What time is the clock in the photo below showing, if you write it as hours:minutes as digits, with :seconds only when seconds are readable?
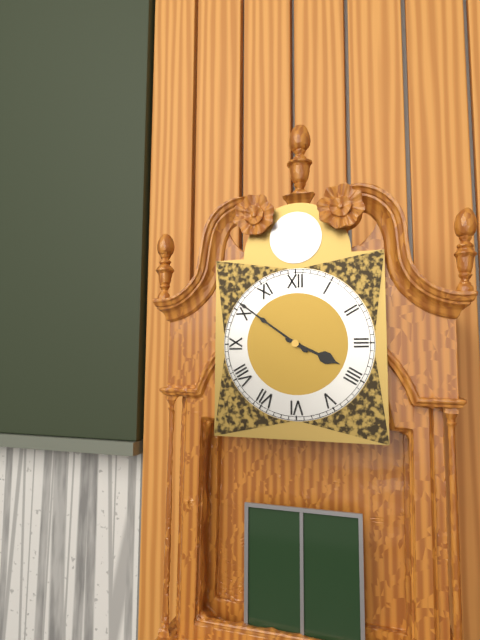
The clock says 3:51
